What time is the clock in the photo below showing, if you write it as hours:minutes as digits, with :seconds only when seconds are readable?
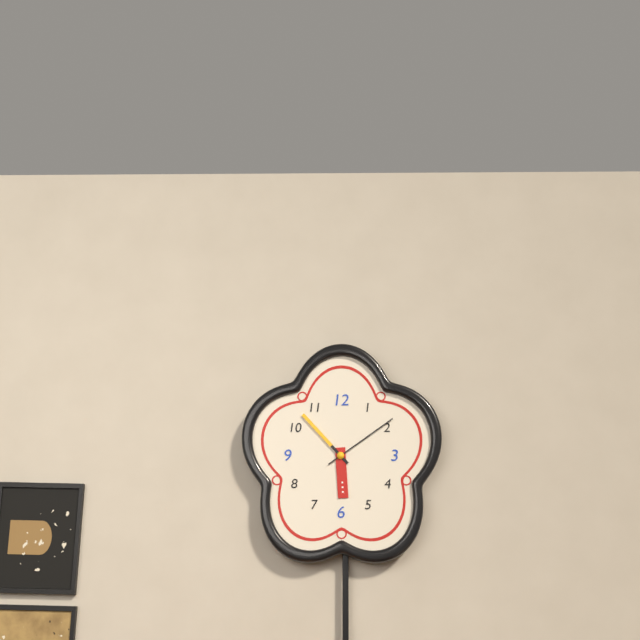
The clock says 5:53:09
